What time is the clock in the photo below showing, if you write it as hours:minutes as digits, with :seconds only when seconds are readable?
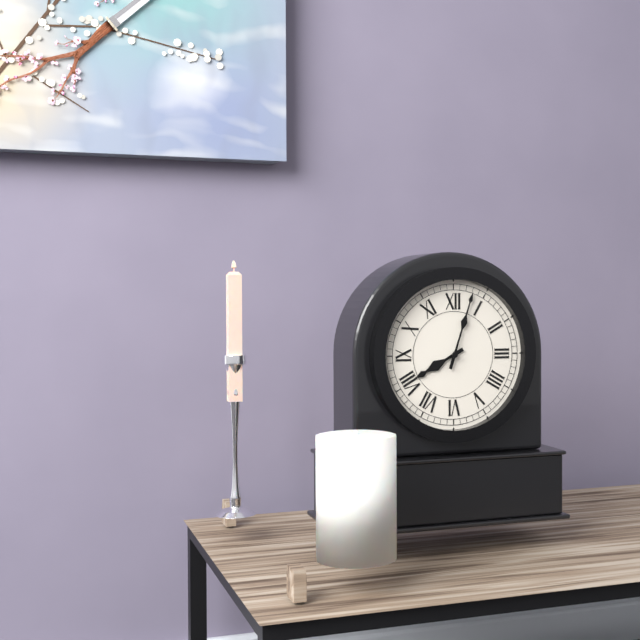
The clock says 8:03
